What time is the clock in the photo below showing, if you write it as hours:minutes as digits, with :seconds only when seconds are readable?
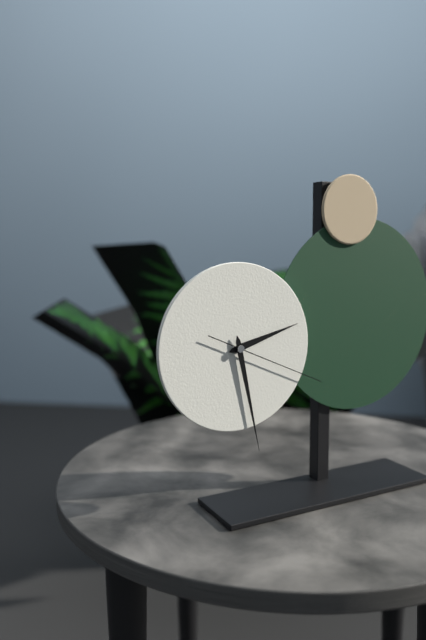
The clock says 2:28:19
